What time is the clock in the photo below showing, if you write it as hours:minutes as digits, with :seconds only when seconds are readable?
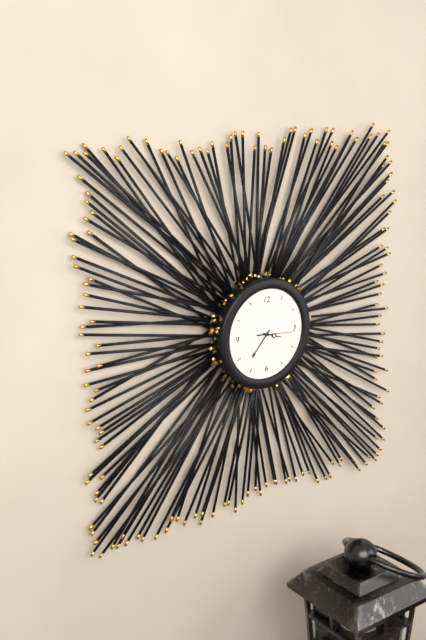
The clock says 3:37
